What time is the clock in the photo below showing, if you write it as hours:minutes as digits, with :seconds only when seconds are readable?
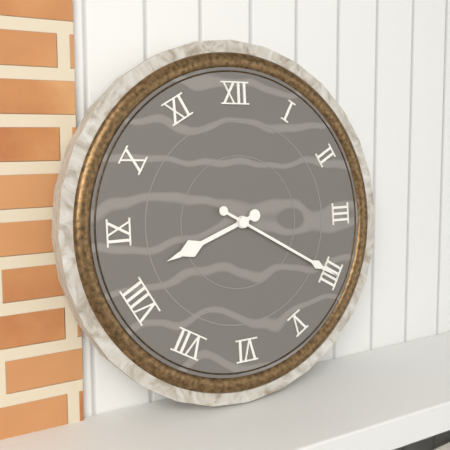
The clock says 8:20
